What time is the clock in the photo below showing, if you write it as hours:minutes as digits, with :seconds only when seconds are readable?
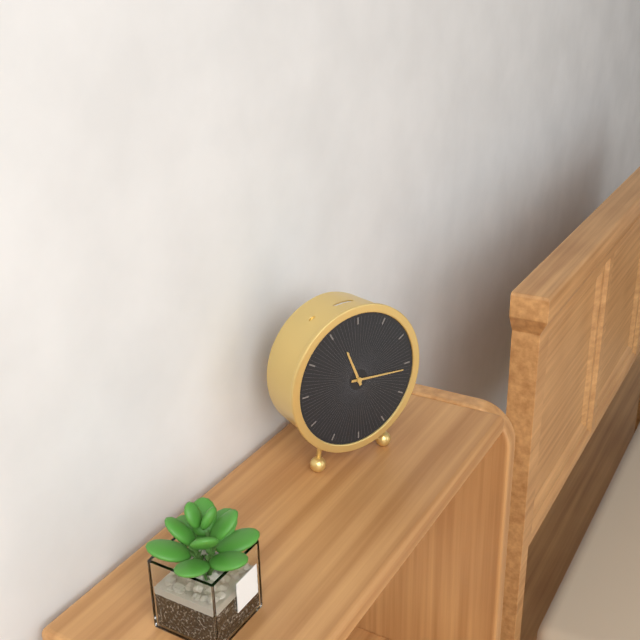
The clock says 11:16
